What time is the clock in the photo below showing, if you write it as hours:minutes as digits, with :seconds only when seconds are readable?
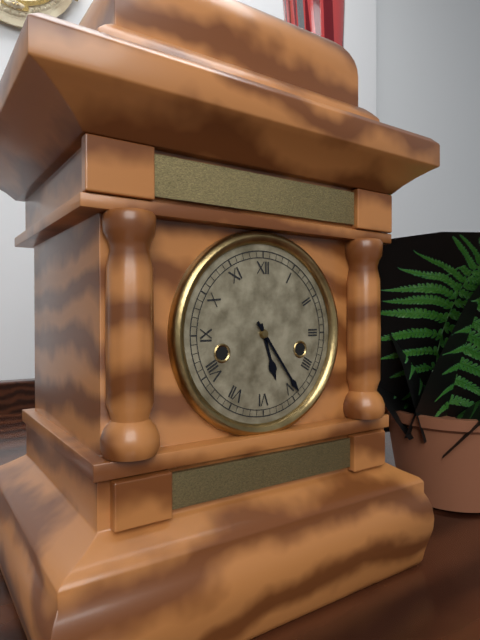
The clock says 5:24
